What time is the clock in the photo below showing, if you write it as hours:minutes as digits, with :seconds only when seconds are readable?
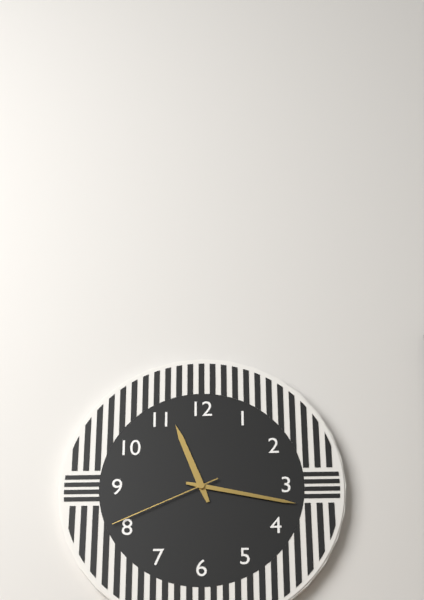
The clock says 11:17:41
